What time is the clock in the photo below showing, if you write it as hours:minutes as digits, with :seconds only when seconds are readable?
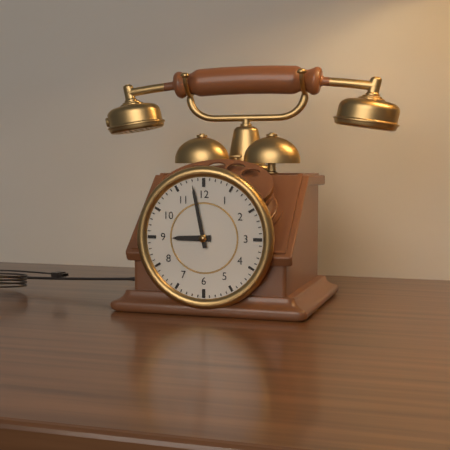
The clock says 8:58
